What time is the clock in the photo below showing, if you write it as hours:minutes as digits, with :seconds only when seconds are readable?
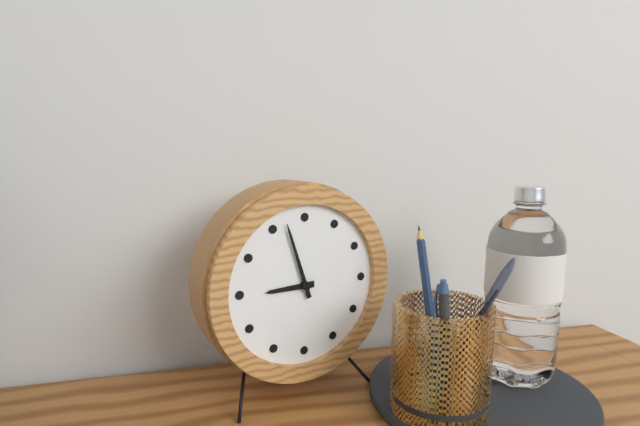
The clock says 8:57
